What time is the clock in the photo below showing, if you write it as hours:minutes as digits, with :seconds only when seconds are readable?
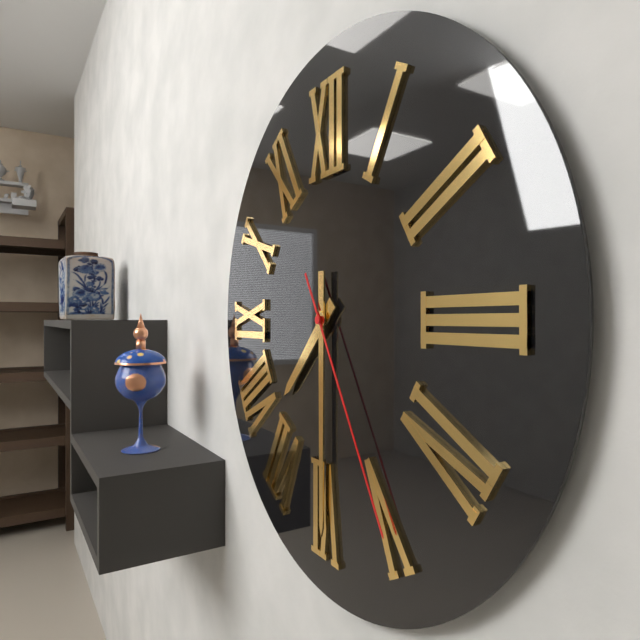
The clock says 7:30:25
